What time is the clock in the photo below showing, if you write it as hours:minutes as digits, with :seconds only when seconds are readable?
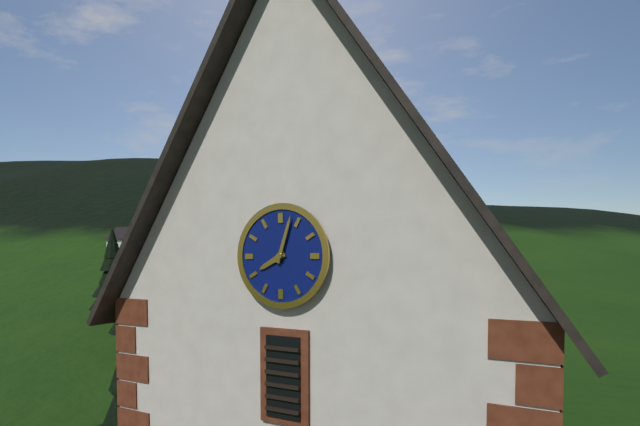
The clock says 8:03
